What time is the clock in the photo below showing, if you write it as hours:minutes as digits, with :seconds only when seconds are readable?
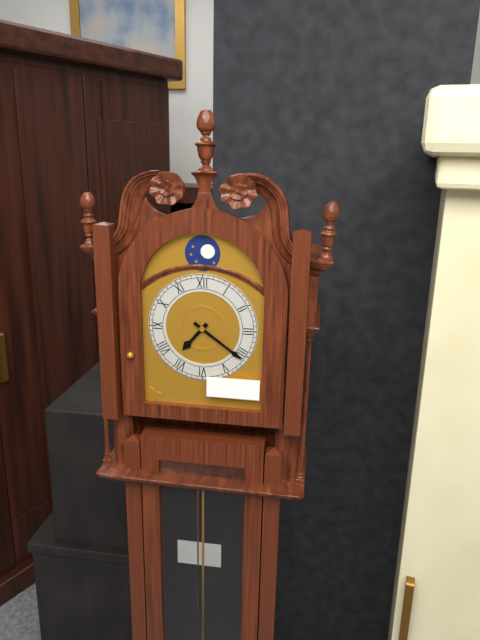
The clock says 7:21
